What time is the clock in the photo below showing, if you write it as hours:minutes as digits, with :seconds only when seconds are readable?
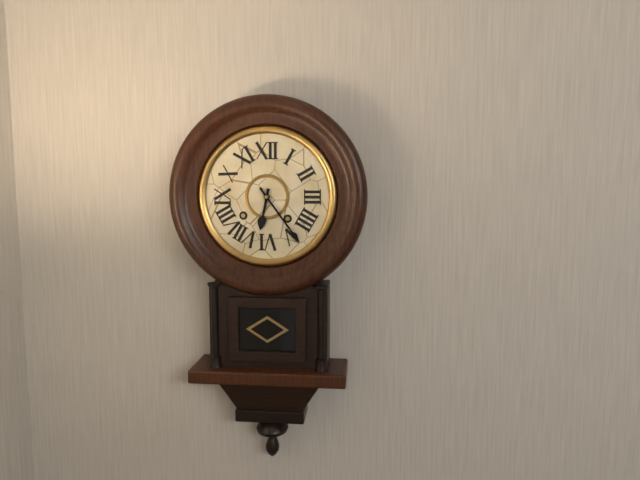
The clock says 6:24
